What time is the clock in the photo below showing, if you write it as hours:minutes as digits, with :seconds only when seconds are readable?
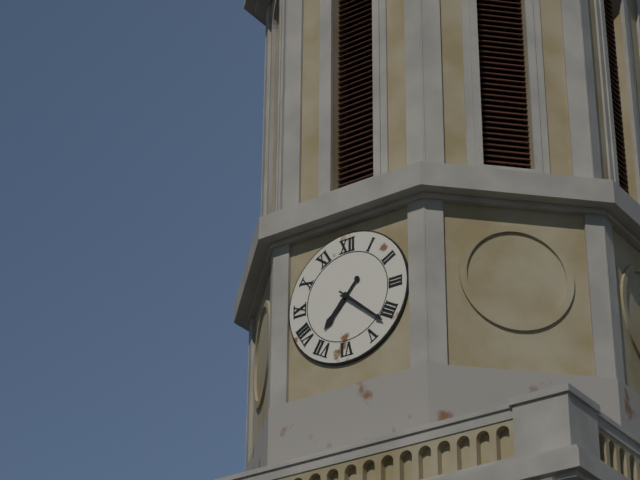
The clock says 7:22
